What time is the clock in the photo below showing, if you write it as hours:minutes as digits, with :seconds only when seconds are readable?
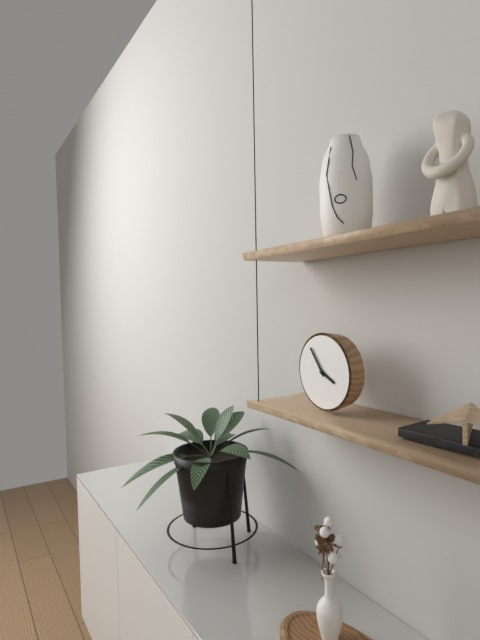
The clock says 3:54
